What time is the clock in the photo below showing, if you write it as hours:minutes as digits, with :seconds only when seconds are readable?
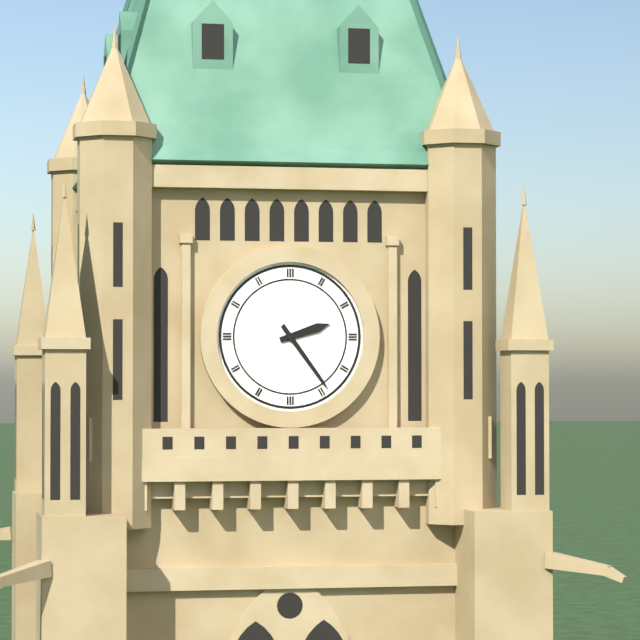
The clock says 2:24
